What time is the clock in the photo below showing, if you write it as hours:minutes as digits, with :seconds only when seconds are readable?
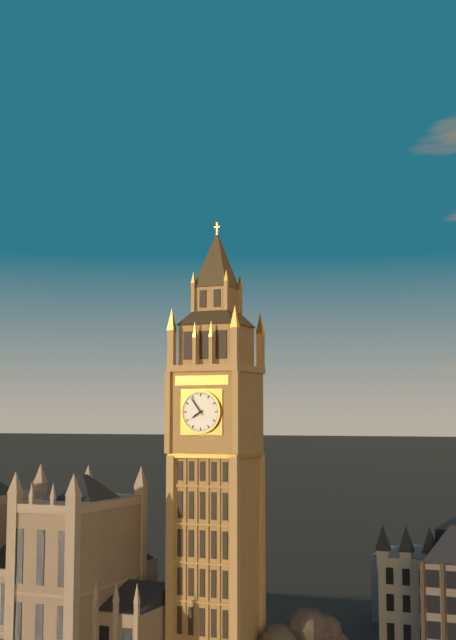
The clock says 7:54
